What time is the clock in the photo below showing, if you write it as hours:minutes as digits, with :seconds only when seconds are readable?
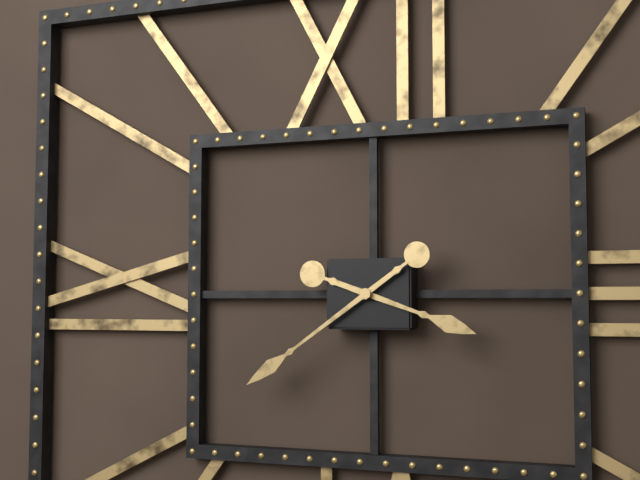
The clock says 3:39
